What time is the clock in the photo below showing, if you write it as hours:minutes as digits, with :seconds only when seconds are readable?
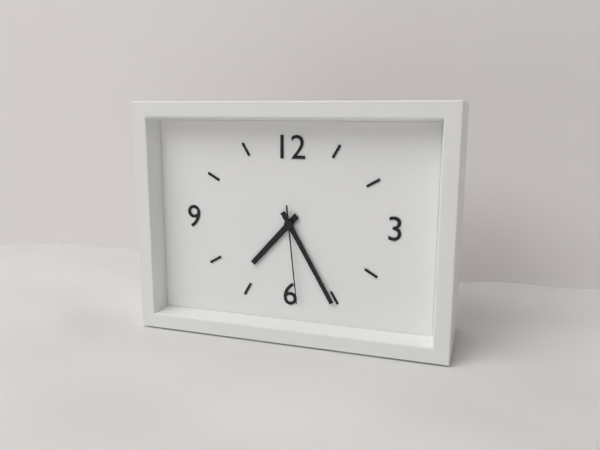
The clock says 7:25:29
